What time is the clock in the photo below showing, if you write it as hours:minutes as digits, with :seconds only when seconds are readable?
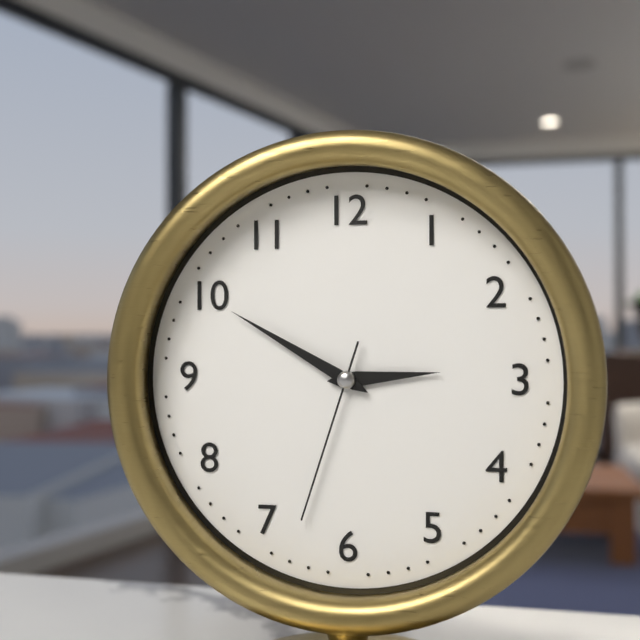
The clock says 2:50:33
